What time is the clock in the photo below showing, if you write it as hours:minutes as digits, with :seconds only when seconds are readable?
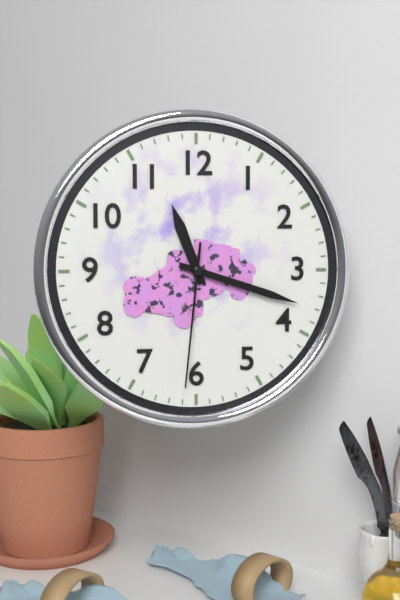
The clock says 11:18:31
